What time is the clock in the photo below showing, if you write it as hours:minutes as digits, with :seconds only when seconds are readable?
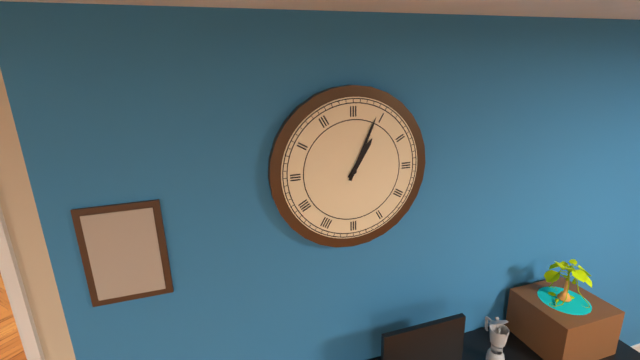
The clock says 1:04
